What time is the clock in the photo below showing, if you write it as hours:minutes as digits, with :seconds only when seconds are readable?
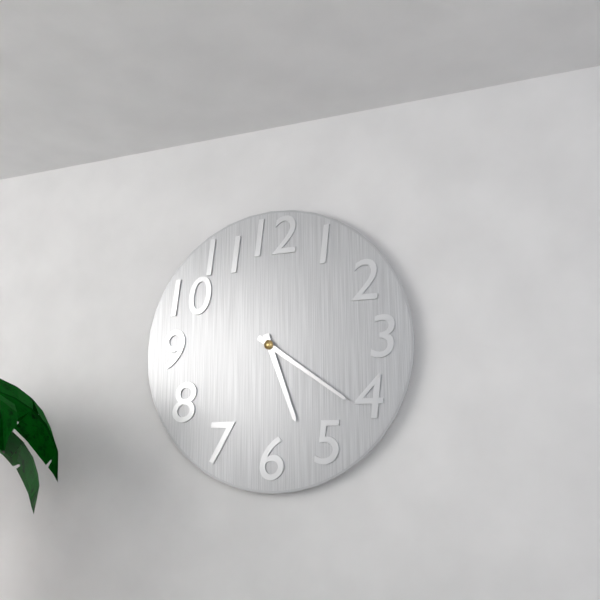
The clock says 5:21
